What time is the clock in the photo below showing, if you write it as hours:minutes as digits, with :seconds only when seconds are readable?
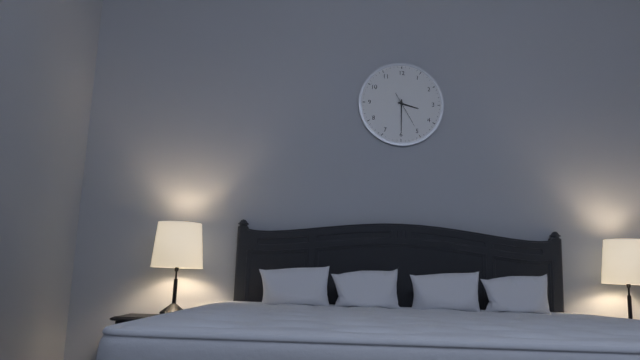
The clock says 3:30
